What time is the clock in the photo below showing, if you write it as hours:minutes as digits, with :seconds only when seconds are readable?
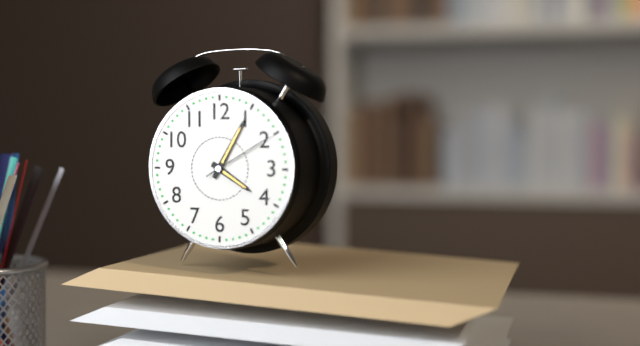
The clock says 4:05:10
